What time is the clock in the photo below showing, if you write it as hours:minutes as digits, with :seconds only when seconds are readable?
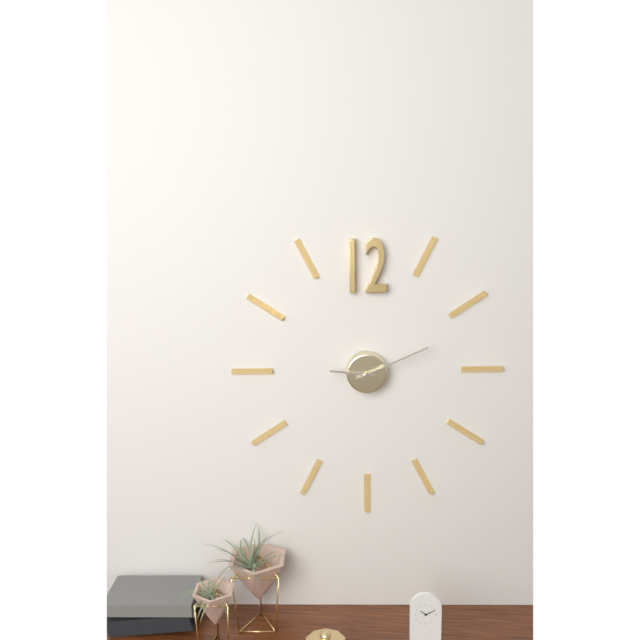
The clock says 9:11
